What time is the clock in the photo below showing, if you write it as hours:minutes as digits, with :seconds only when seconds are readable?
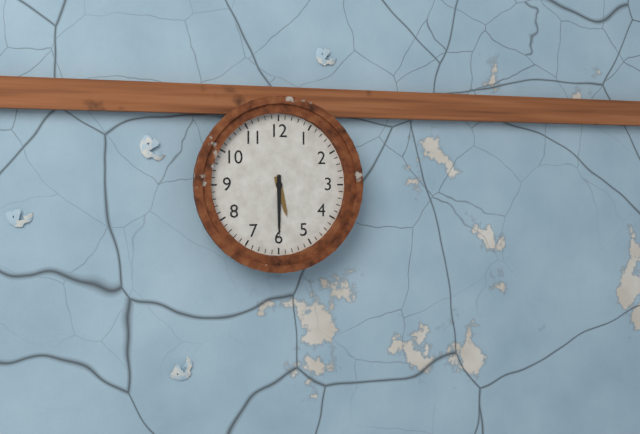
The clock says 5:30
